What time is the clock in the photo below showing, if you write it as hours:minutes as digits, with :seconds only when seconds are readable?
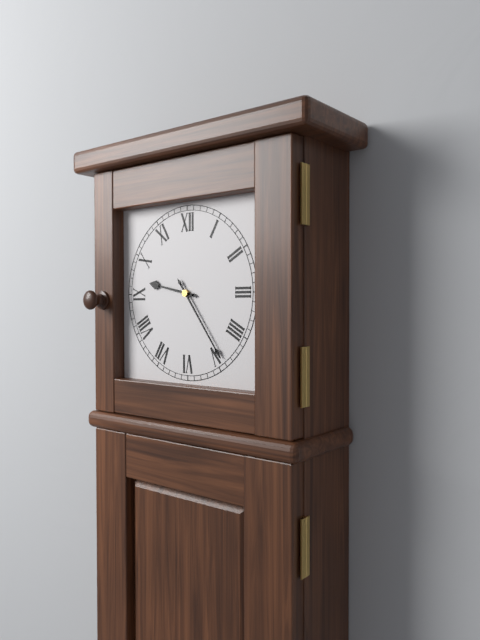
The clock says 9:24
